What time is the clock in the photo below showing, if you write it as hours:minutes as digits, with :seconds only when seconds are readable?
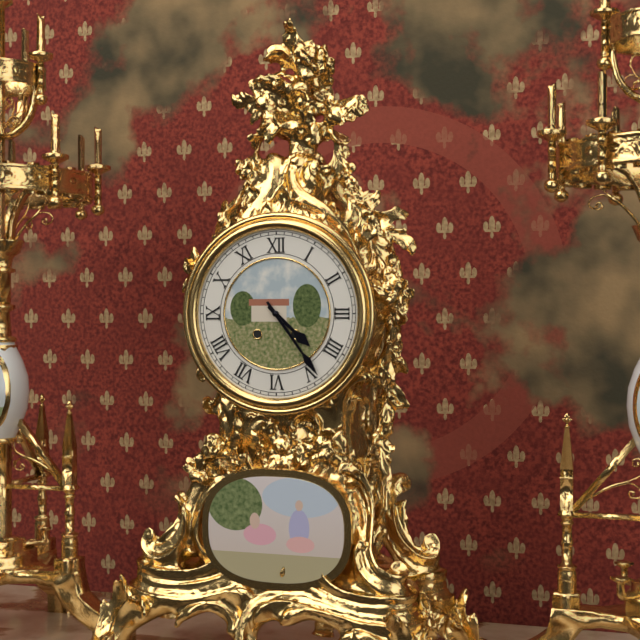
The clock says 4:24
